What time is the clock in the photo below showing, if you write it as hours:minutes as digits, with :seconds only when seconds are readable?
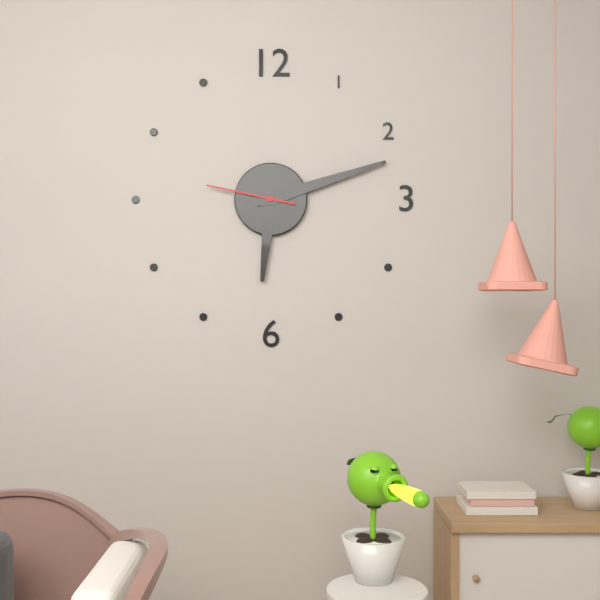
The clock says 6:12:47
